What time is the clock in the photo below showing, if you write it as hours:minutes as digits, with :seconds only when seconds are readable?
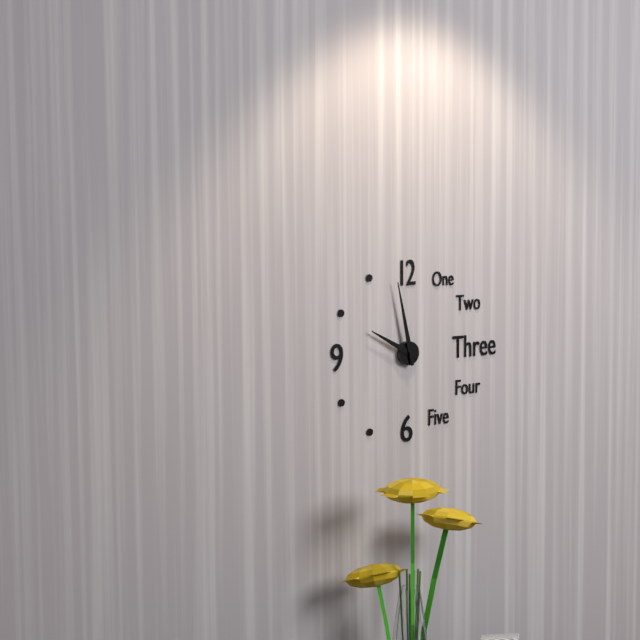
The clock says 9:58
